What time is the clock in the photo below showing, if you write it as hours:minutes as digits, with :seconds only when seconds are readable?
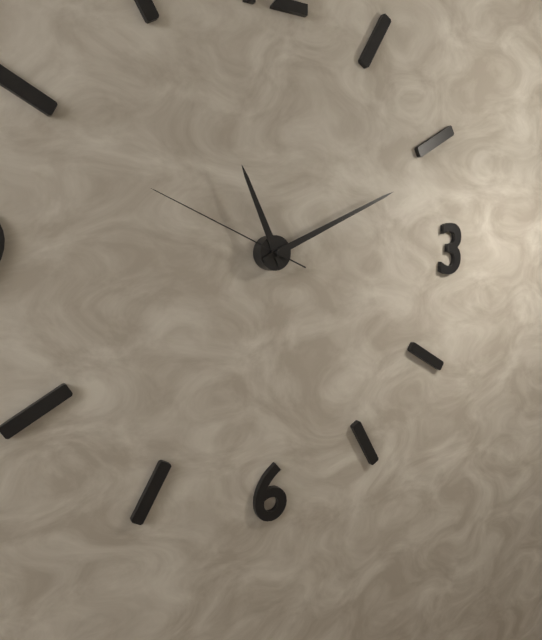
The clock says 11:11:49
